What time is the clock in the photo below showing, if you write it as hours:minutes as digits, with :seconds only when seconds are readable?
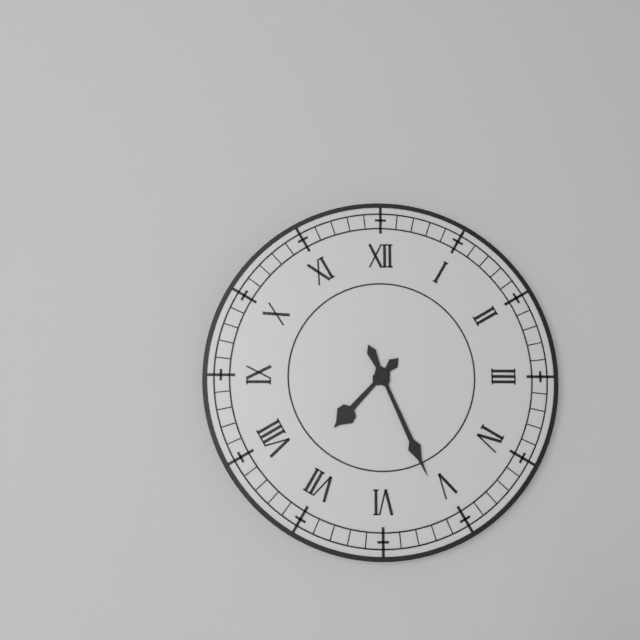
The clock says 7:26
